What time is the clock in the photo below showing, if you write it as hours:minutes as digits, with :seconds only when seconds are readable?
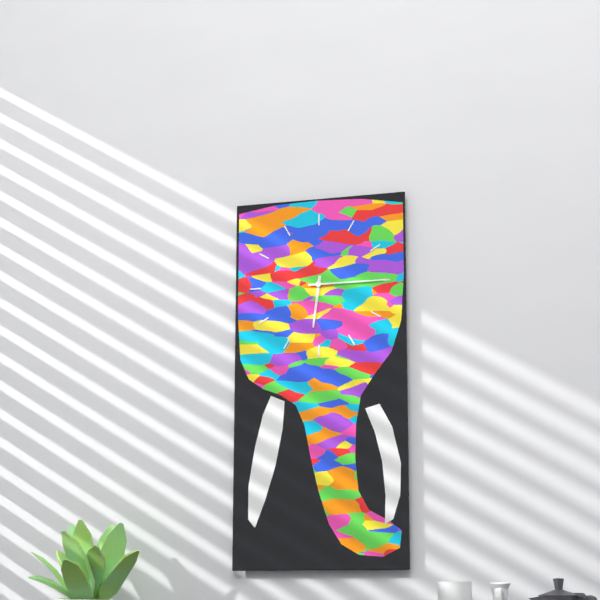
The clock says 6:15
